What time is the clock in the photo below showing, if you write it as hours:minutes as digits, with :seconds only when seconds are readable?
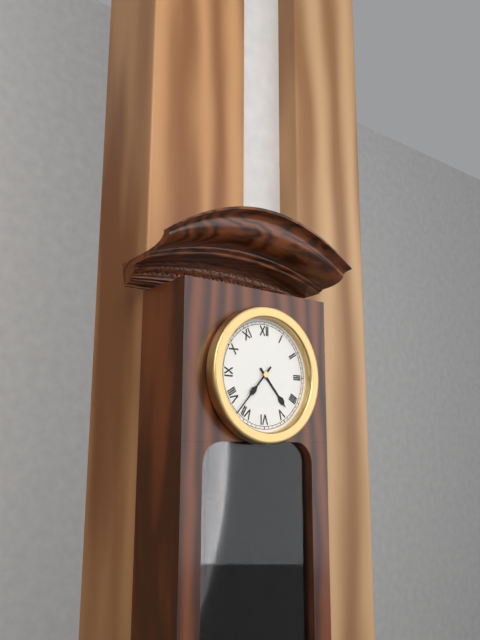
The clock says 4:37
